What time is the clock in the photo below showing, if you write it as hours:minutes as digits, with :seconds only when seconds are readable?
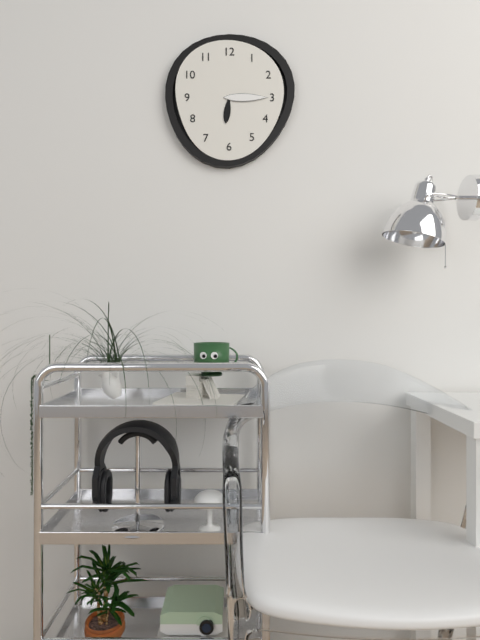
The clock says 6:15
